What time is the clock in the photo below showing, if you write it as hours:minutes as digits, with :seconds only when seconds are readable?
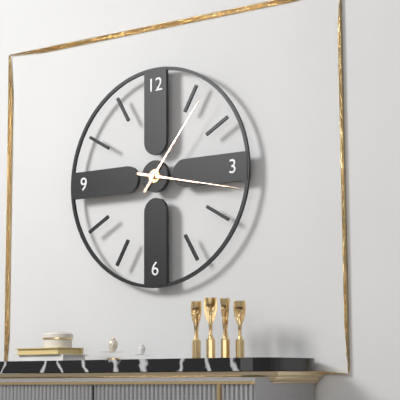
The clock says 1:17
